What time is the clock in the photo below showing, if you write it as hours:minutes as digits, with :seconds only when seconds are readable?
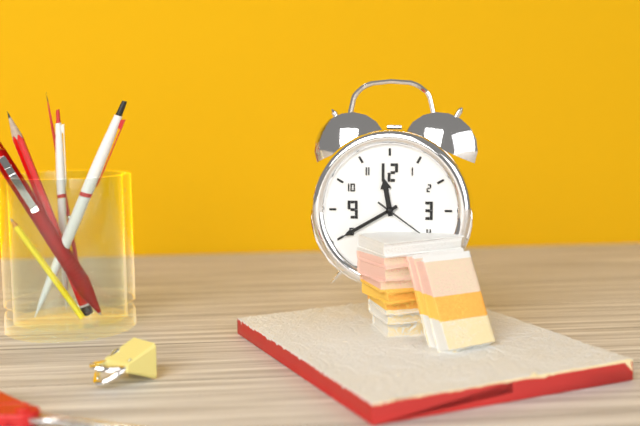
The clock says 11:40
